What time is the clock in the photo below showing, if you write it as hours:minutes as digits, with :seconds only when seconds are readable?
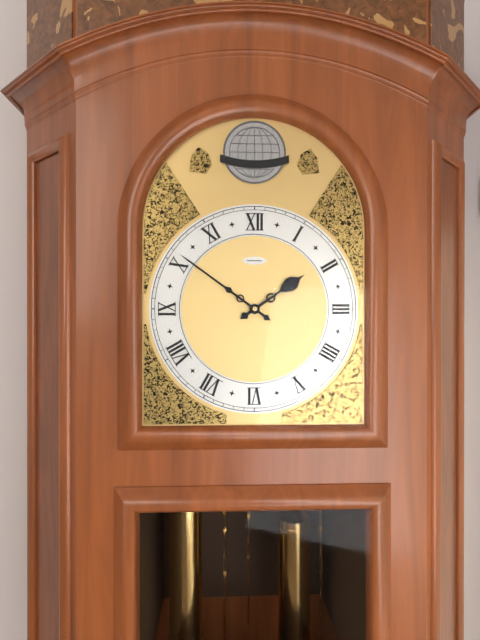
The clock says 1:51
